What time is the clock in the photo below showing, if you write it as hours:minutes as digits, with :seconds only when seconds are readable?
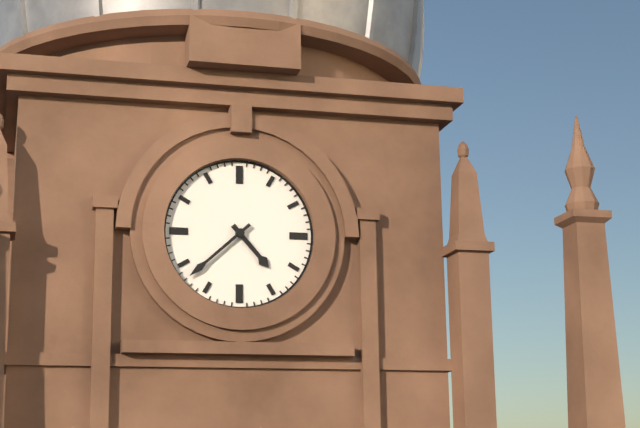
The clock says 4:38
